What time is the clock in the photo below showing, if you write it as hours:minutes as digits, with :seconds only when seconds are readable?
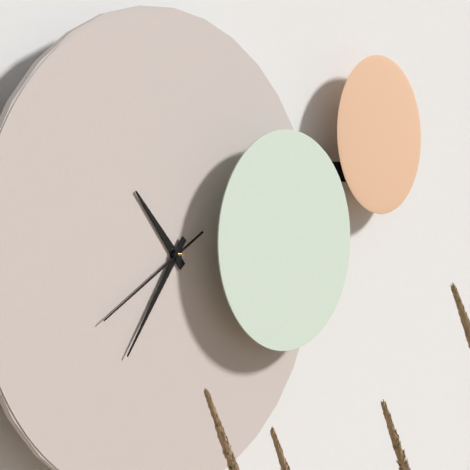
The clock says 10:36:40
